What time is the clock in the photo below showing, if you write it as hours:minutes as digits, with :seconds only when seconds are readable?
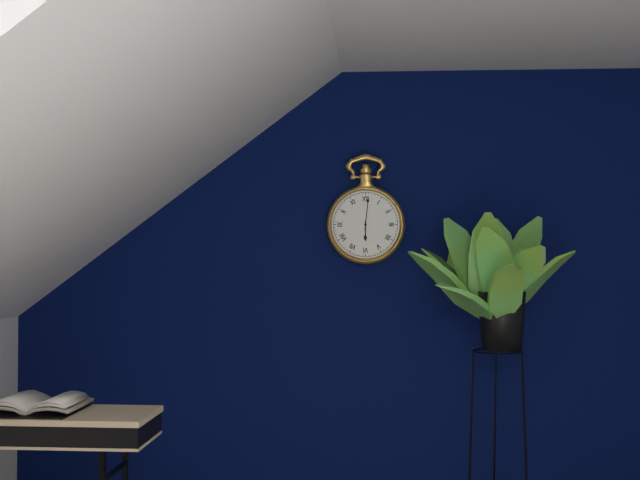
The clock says 6:01
